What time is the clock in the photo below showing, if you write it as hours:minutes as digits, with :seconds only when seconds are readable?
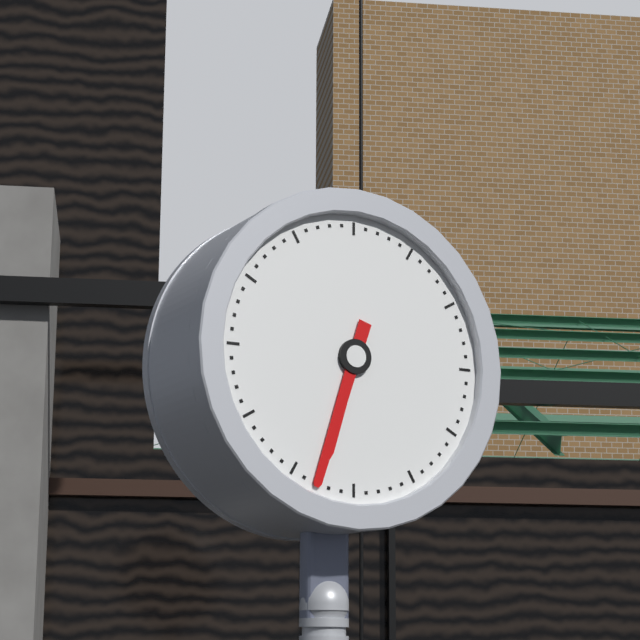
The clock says 6:33
